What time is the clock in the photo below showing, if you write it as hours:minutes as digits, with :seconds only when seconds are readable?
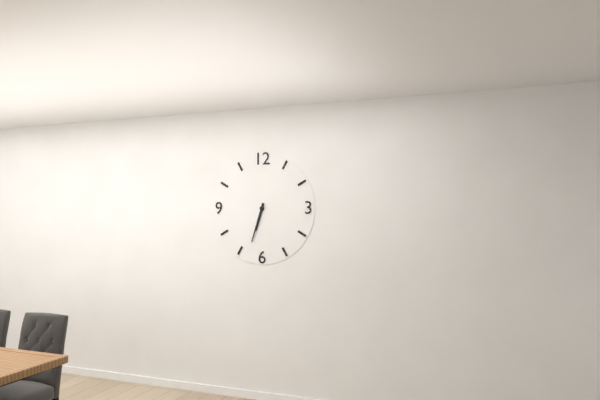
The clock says 6:33
